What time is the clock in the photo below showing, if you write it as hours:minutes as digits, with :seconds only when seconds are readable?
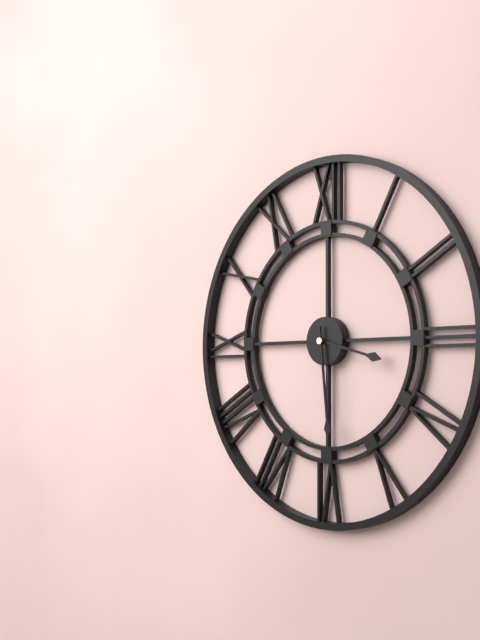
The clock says 3:29
